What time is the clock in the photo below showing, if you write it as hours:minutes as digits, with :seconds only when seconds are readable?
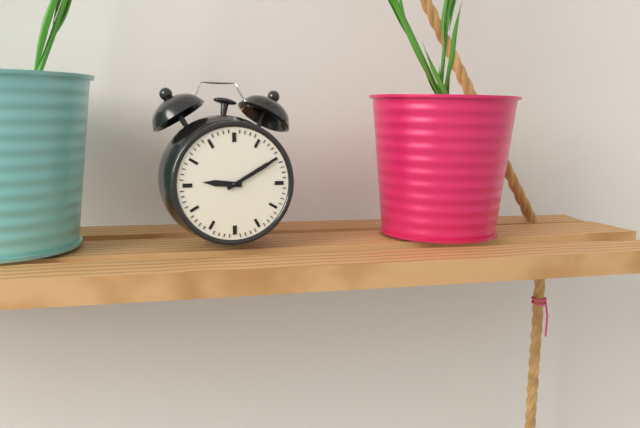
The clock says 9:10
